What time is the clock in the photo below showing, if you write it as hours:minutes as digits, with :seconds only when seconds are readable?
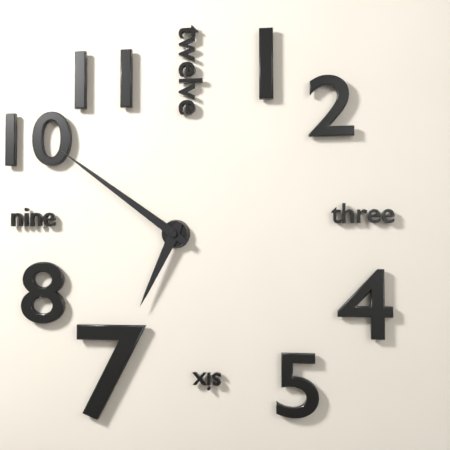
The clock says 6:51
